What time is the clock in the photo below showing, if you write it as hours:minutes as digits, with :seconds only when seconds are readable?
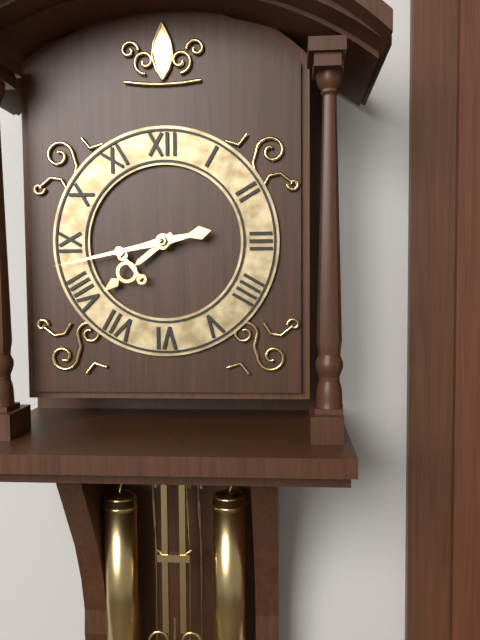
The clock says 7:43
